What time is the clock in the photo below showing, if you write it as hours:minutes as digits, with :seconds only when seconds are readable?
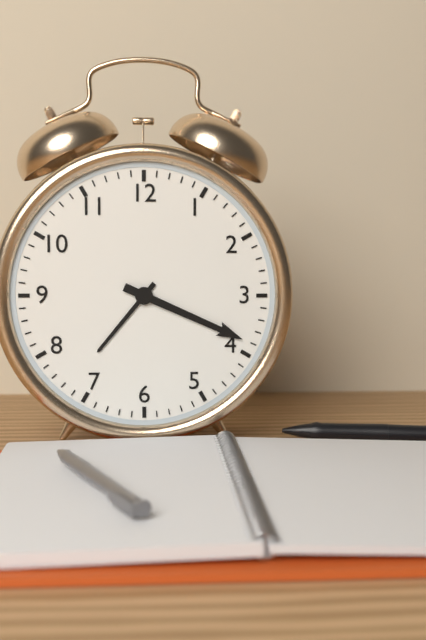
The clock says 7:19
